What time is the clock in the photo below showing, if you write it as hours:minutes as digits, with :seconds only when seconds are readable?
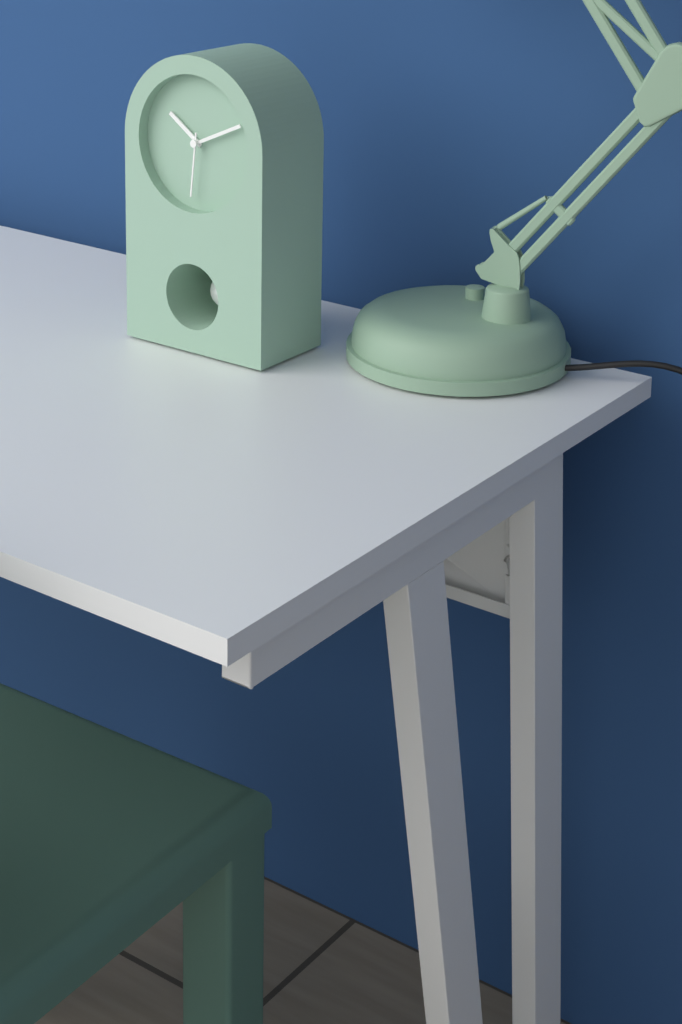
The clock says 10:11:31
